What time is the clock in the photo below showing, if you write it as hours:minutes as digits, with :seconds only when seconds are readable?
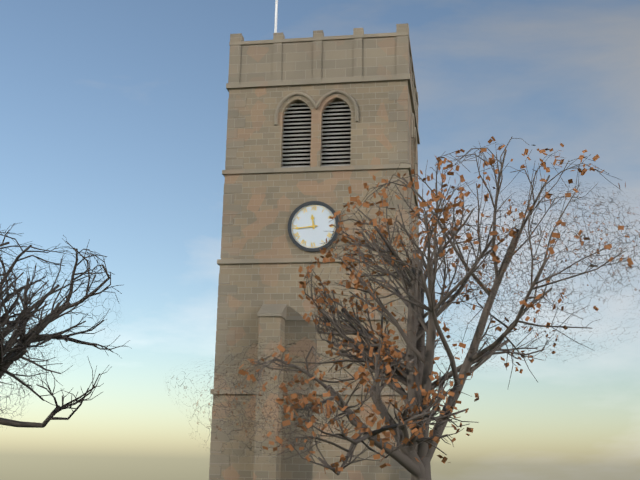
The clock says 11:44
